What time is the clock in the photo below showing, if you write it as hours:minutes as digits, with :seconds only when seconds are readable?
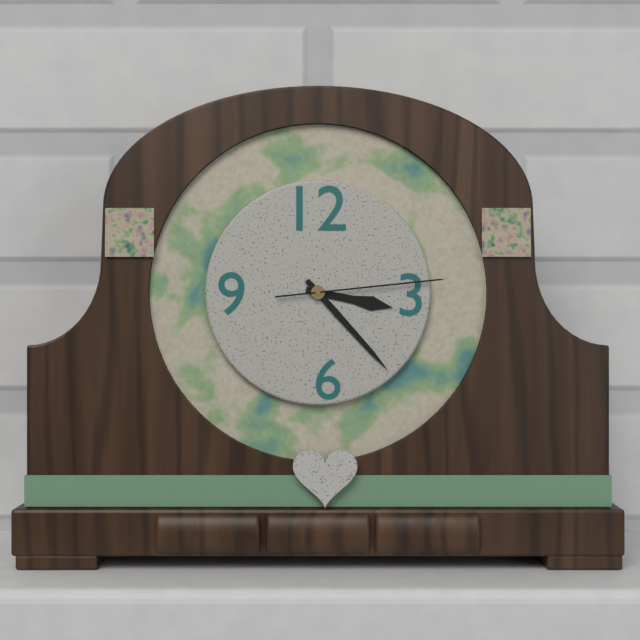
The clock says 3:23:14
